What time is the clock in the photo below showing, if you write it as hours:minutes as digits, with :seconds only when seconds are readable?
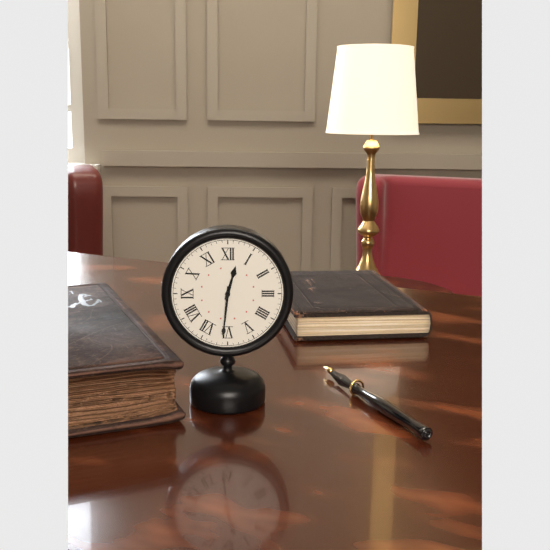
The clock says 12:31
